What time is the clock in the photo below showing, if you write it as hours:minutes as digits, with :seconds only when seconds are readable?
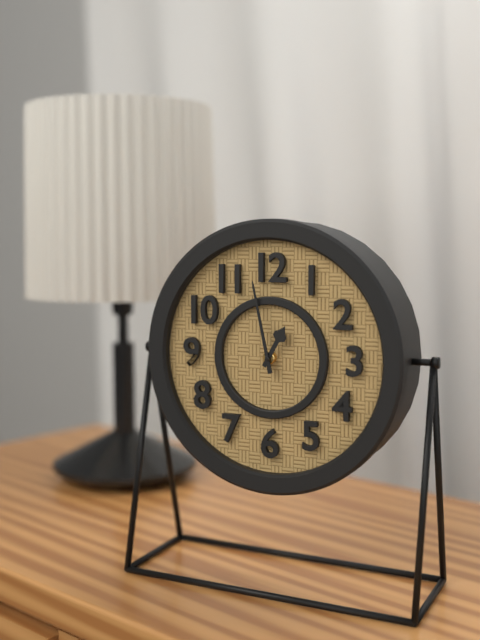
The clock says 12:58
